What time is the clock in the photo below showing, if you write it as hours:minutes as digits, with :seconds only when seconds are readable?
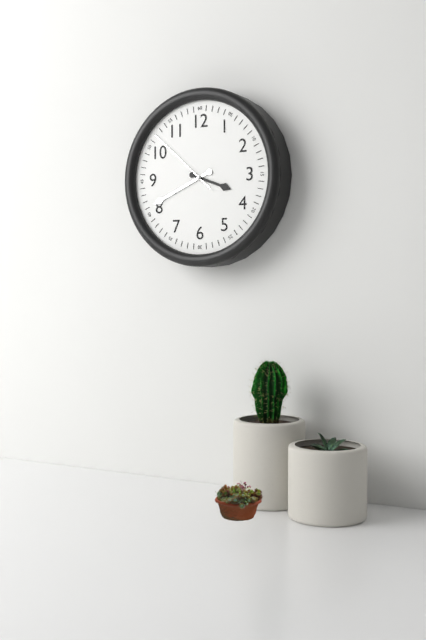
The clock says 3:41:52
